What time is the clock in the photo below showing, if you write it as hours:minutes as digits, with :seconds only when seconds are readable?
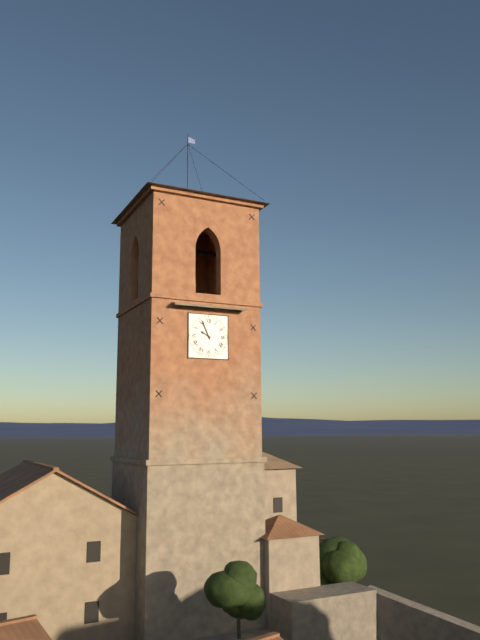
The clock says 9:56
